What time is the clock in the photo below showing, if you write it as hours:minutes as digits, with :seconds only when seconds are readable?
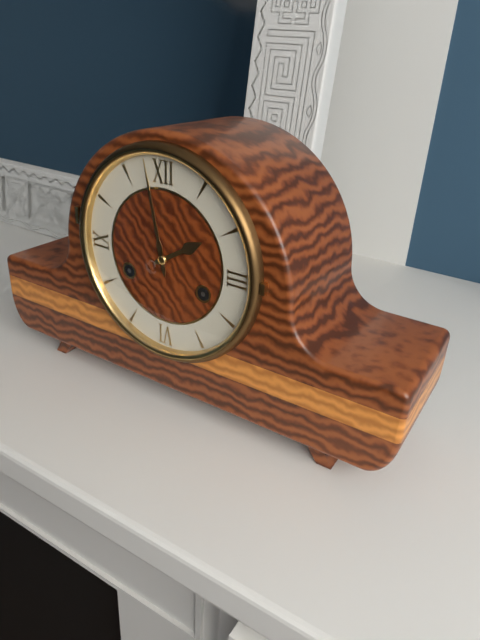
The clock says 1:58
